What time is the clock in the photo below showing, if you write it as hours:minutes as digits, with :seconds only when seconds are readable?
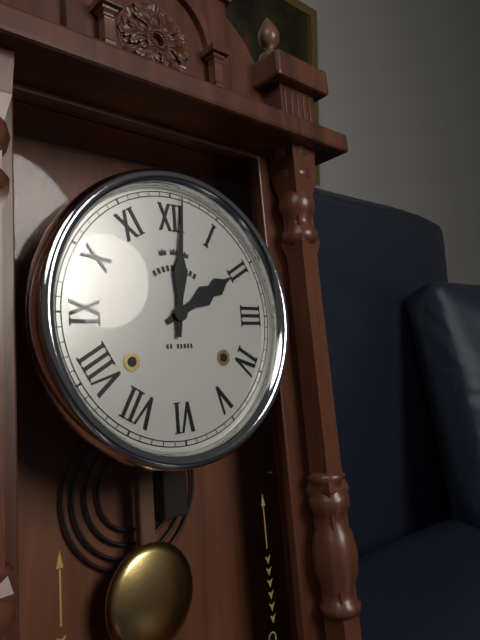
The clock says 2:01
